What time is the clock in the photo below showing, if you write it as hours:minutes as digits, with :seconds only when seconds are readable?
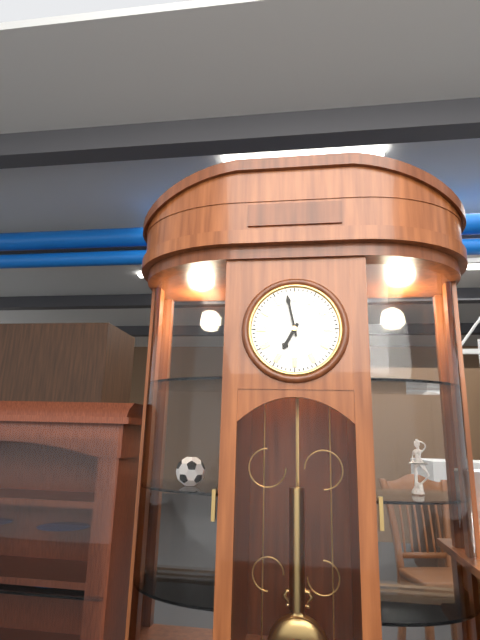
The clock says 6:58
